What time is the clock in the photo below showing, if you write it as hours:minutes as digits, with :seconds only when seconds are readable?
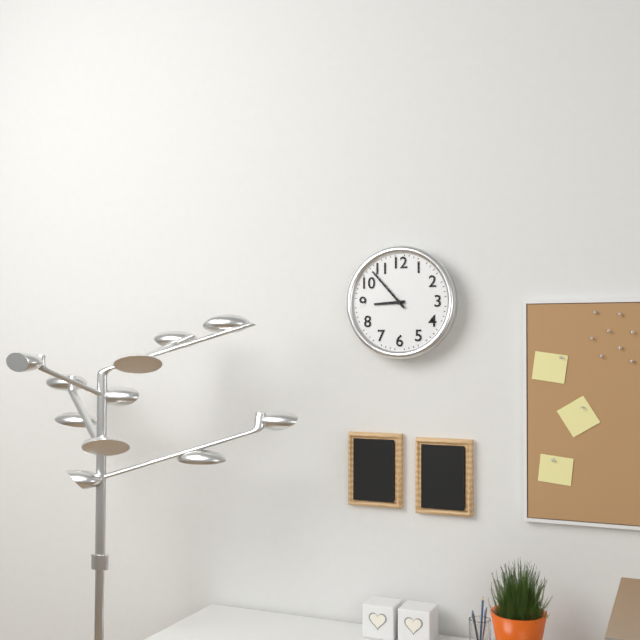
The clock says 8:53
